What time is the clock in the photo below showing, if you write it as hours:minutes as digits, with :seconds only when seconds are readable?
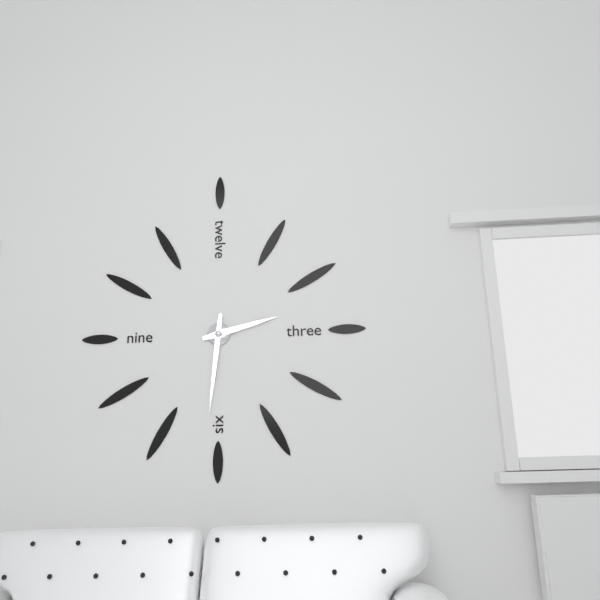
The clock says 2:31
